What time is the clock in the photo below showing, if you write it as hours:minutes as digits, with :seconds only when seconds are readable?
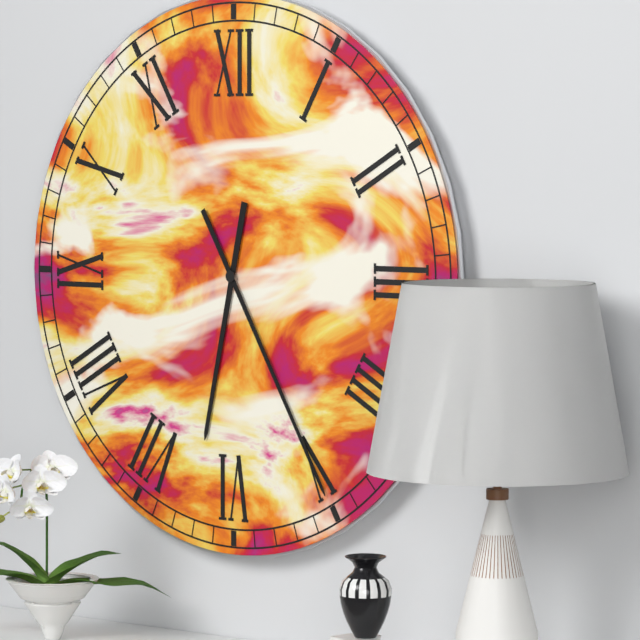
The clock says 6:25
